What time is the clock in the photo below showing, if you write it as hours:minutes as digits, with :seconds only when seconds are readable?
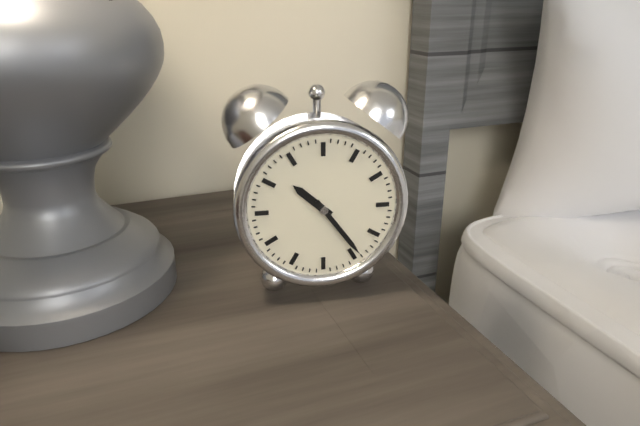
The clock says 10:24
